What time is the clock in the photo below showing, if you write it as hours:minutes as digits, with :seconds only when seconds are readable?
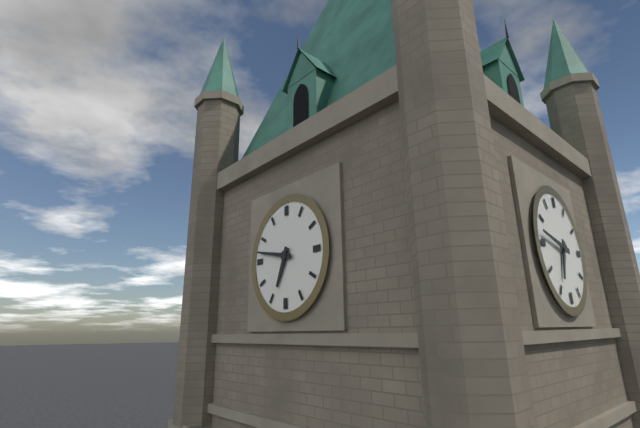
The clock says 6:47
